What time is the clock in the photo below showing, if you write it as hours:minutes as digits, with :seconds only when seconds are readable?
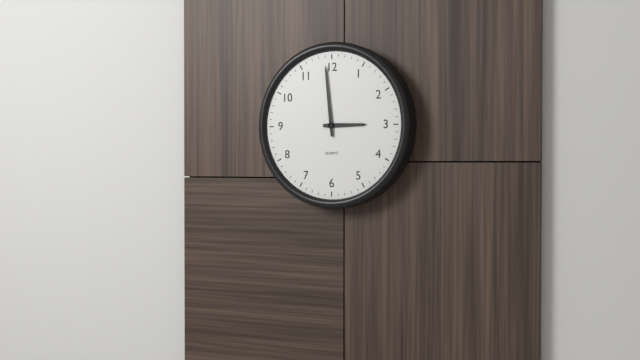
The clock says 2:59
